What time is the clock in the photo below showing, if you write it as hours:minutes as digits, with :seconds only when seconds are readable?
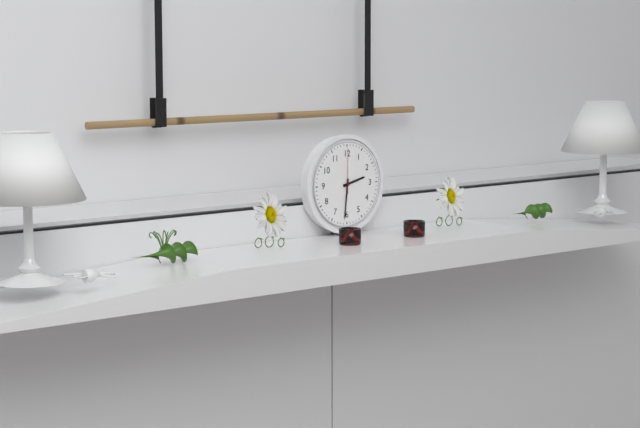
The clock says 2:31
